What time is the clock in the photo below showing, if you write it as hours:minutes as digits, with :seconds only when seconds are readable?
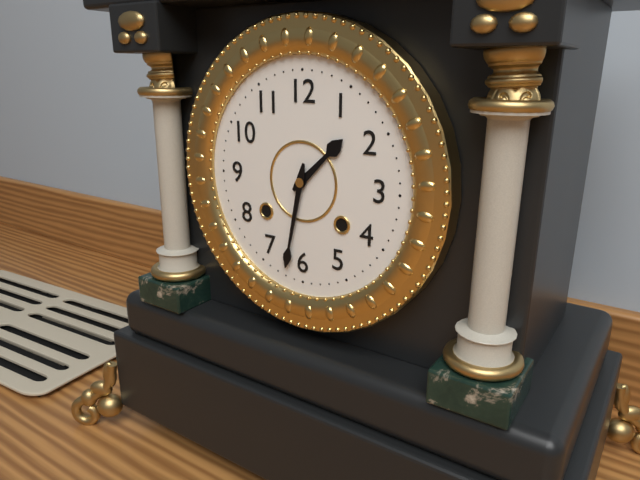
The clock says 1:32
